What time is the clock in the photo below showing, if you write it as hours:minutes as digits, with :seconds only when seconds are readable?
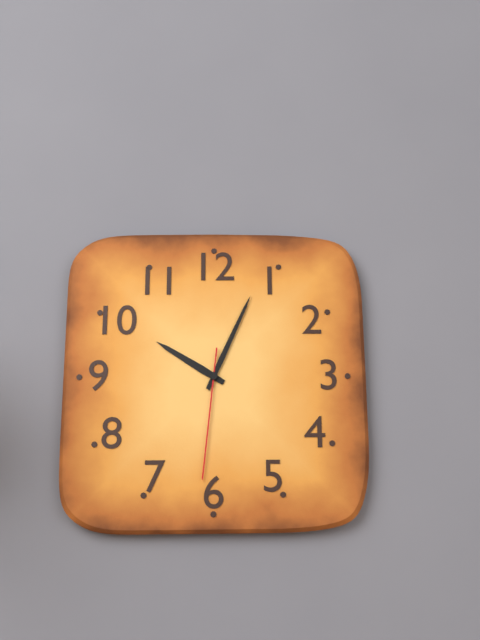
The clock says 10:04:31
